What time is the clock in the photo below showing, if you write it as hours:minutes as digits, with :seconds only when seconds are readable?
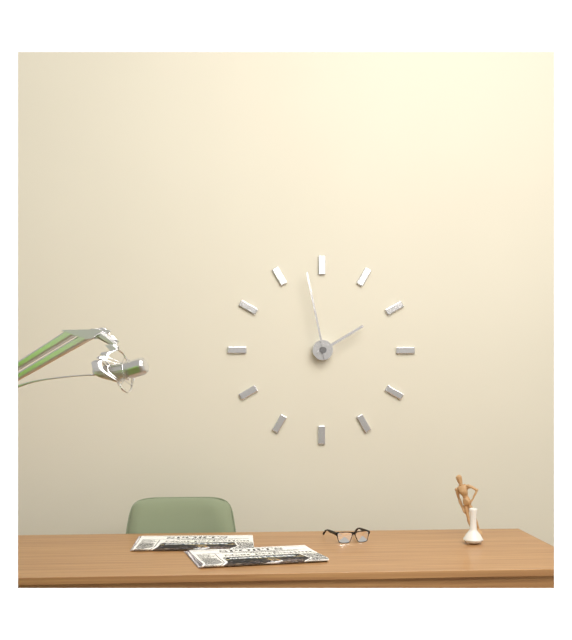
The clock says 1:58
